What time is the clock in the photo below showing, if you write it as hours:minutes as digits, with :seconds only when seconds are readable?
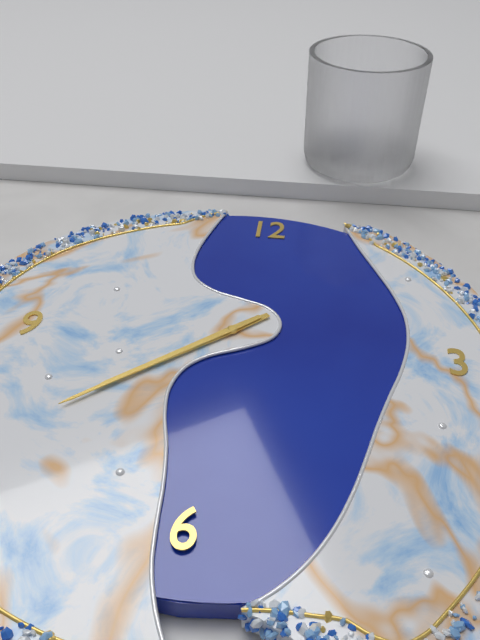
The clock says 7:38
